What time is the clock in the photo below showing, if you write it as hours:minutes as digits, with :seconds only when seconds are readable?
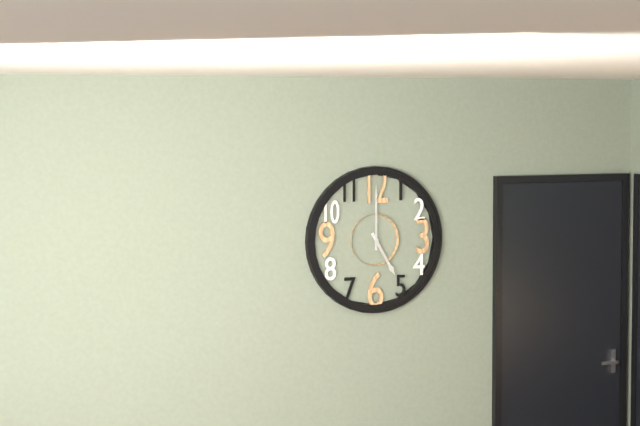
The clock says 5:00
